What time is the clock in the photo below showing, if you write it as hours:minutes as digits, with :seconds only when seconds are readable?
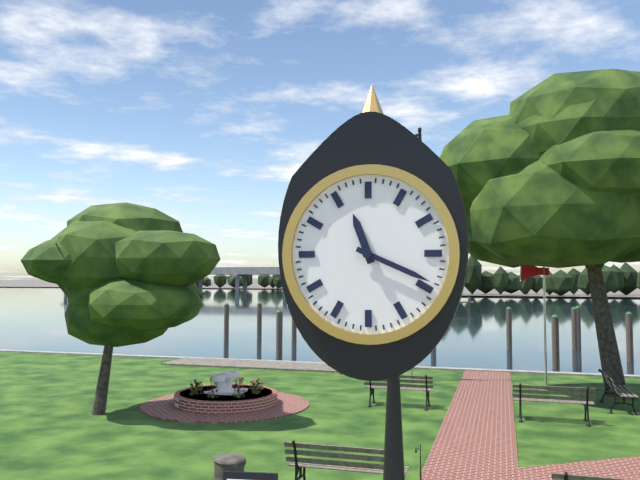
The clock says 11:19
